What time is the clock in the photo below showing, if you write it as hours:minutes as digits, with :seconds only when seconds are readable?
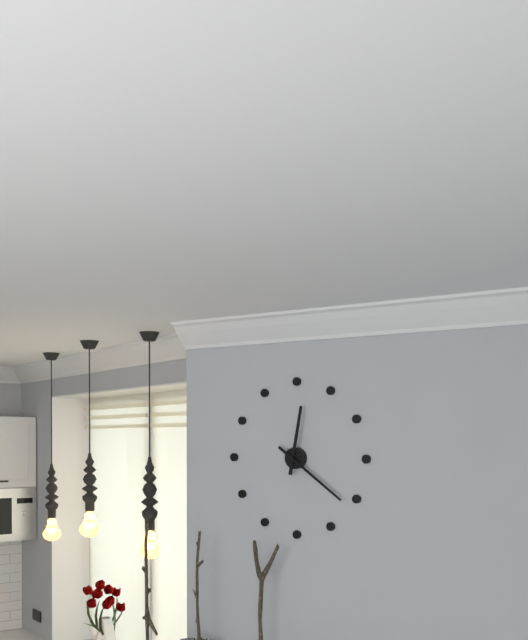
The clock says 12:21
